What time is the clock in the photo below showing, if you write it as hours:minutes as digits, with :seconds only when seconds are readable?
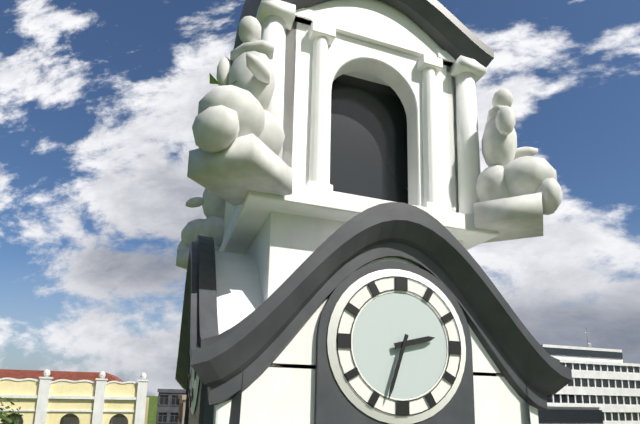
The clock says 2:33
